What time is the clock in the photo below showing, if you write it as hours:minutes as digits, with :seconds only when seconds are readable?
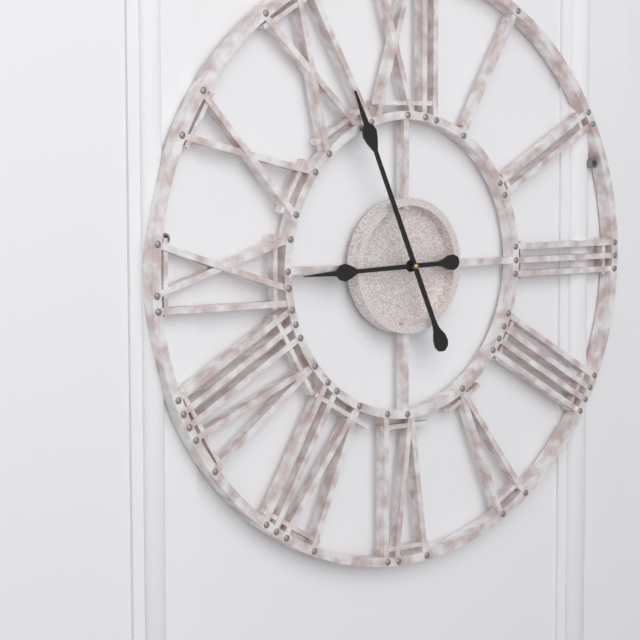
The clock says 8:56
